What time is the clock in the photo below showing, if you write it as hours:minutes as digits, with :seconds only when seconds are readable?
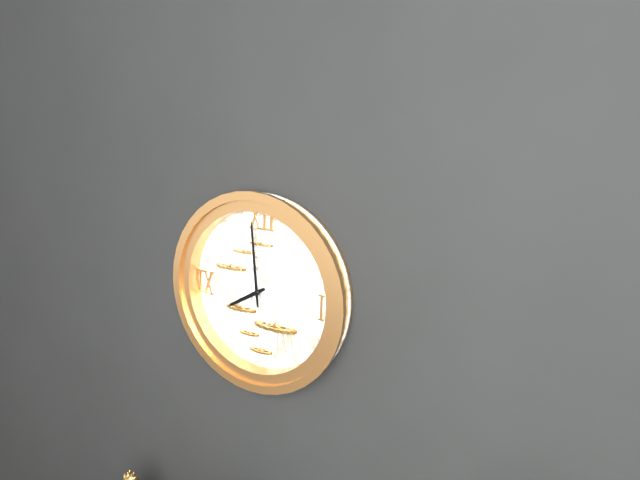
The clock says 7:59
